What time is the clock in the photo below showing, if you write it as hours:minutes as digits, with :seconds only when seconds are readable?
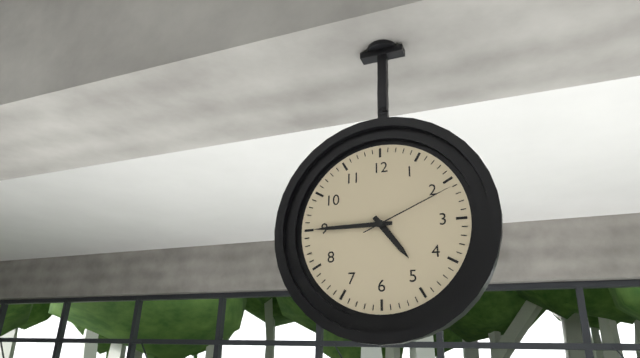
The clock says 4:45:11
